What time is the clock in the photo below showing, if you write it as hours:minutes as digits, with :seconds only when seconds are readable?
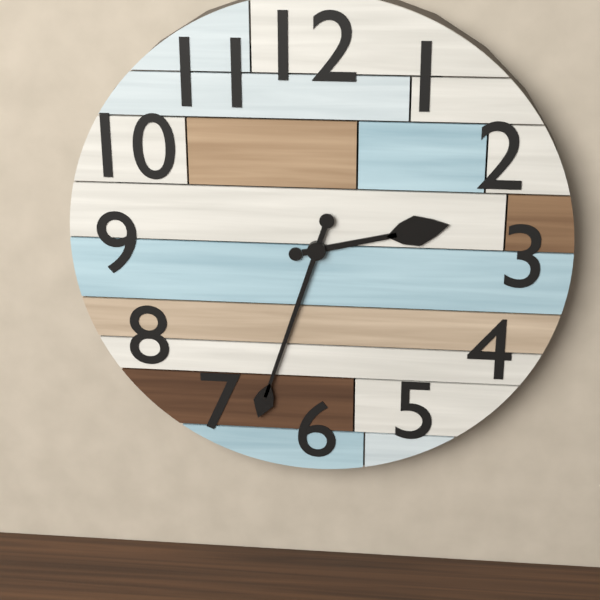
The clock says 2:33
